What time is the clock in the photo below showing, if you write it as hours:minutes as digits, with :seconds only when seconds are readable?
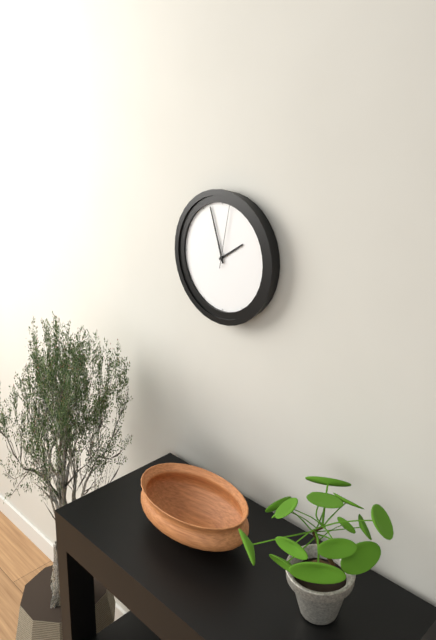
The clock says 1:57:02
